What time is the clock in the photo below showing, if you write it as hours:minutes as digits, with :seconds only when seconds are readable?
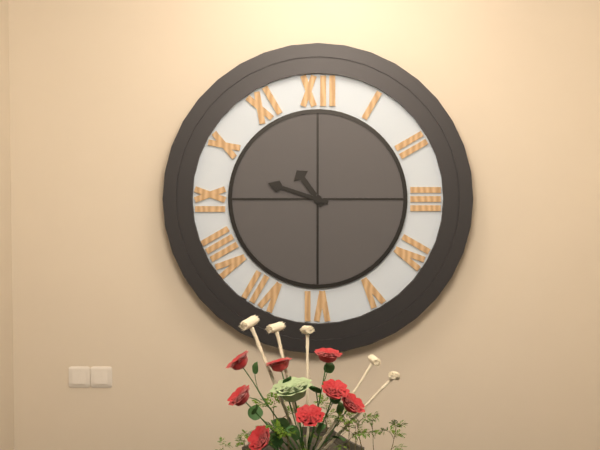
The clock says 10:48
